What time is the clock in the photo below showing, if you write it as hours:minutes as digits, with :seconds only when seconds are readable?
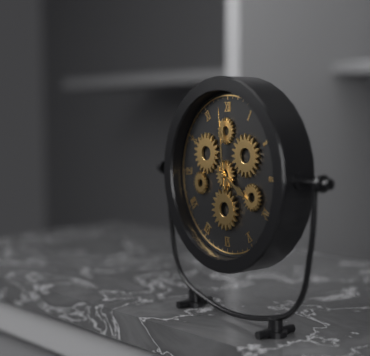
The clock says 3:59
